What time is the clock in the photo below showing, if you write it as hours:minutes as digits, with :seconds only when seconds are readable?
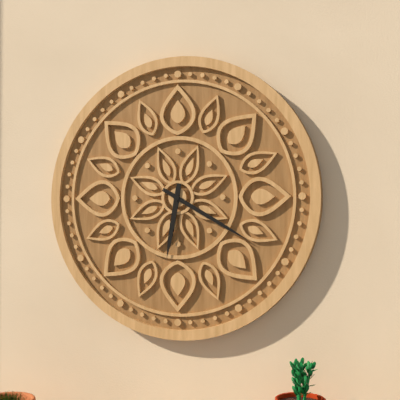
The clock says 6:20
